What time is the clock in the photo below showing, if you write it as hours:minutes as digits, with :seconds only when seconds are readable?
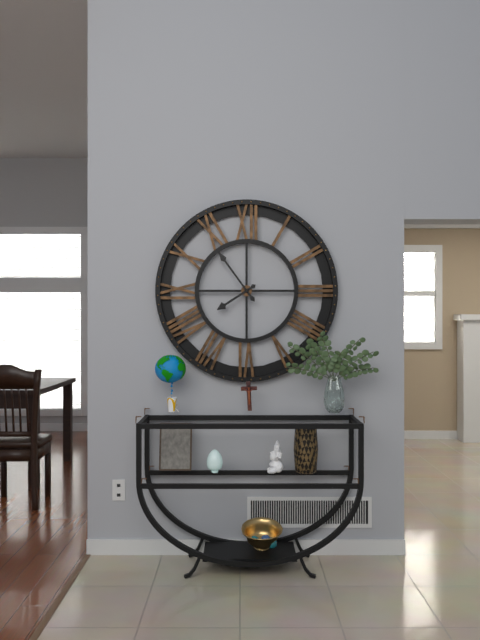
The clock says 7:54
